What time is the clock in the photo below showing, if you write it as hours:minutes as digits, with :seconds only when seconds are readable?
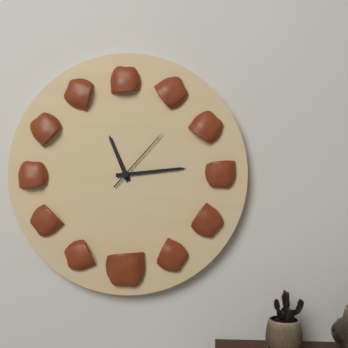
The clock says 11:14:07
